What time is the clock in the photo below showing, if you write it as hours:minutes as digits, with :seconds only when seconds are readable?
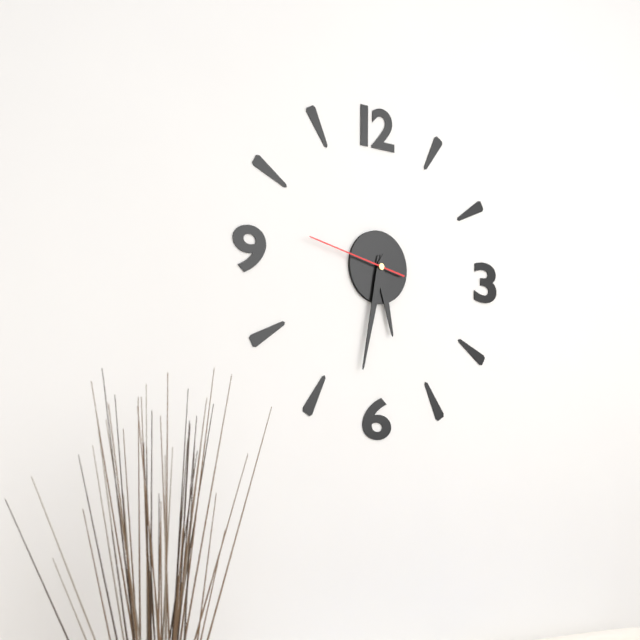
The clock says 5:32:47
